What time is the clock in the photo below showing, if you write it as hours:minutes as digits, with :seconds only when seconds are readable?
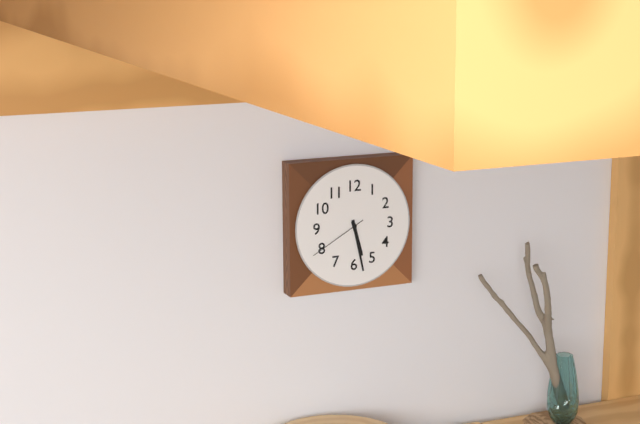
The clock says 5:28:40
